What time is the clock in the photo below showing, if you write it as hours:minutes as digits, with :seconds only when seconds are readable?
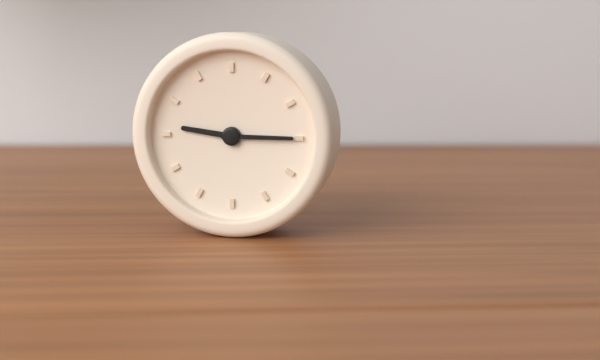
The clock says 9:15
